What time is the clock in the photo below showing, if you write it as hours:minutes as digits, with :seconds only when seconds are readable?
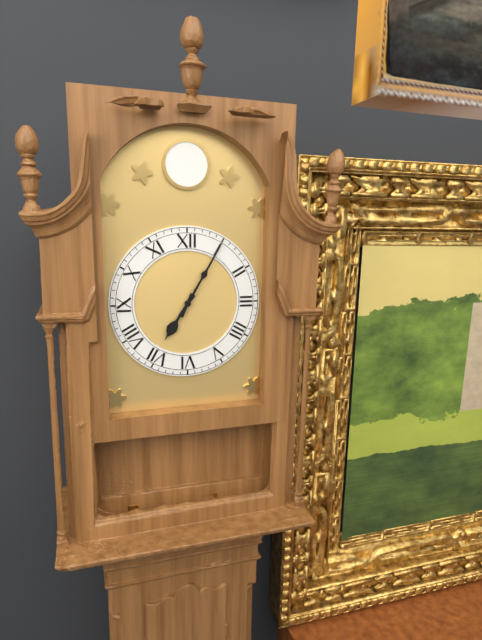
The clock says 7:05
